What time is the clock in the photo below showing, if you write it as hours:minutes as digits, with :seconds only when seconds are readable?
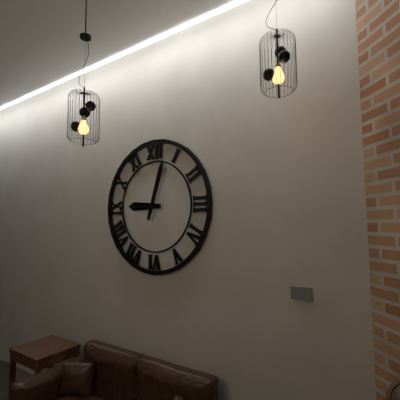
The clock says 9:03
